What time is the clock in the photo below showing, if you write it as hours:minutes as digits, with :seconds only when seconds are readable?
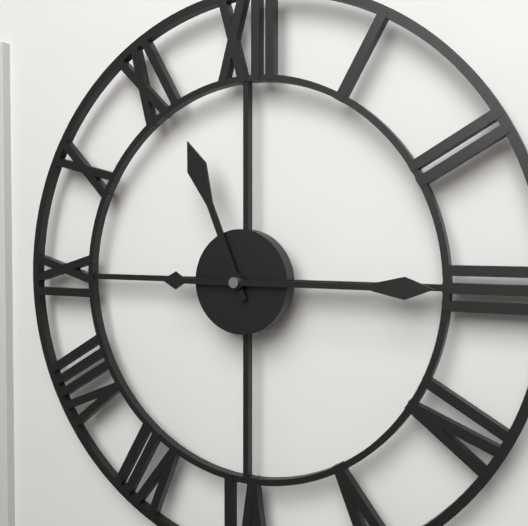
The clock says 11:15
